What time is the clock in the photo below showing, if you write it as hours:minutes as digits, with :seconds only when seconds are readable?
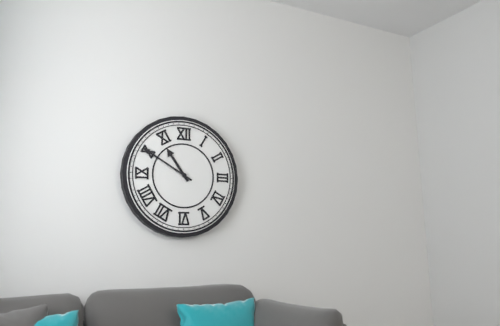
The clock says 10:50
